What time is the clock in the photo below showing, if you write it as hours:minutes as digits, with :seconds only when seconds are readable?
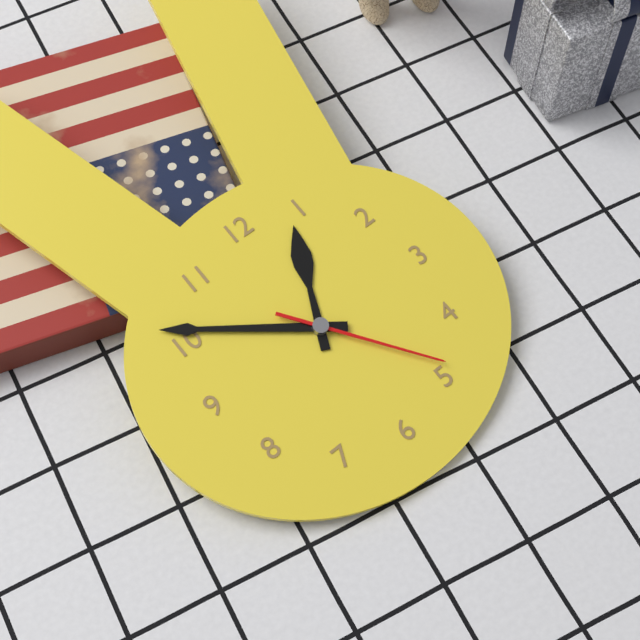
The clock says 12:51:24
